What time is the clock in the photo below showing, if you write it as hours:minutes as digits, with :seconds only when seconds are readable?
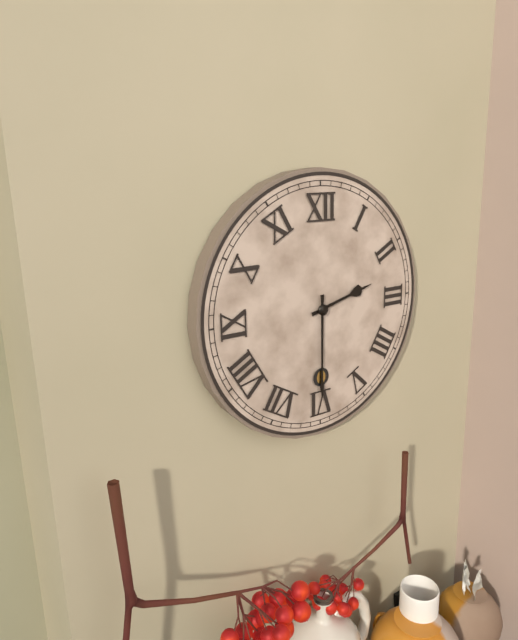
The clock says 2:30
